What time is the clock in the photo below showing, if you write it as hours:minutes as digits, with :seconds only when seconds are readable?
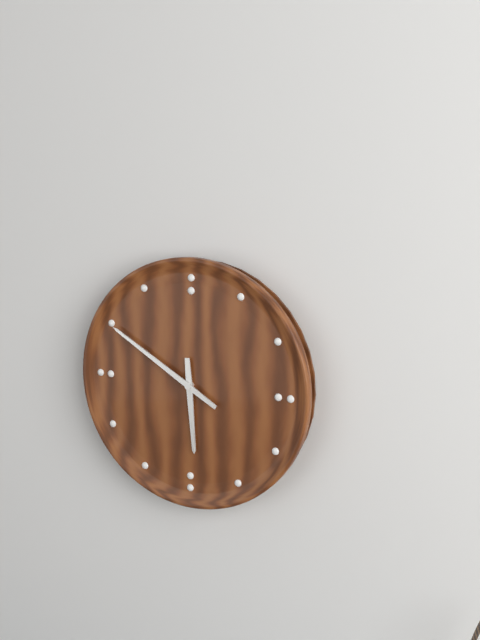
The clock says 5:50
